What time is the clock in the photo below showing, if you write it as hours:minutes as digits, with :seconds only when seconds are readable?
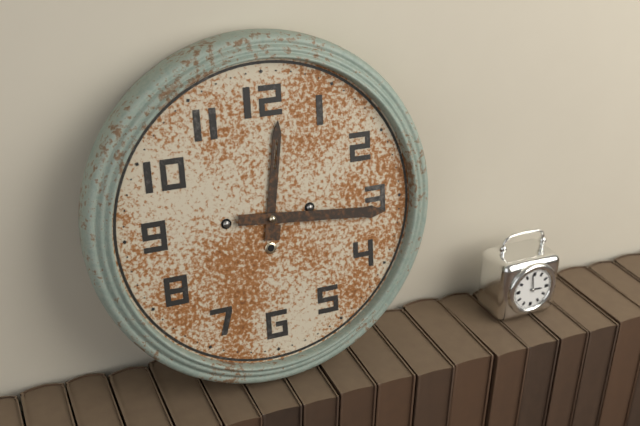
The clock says 12:16
